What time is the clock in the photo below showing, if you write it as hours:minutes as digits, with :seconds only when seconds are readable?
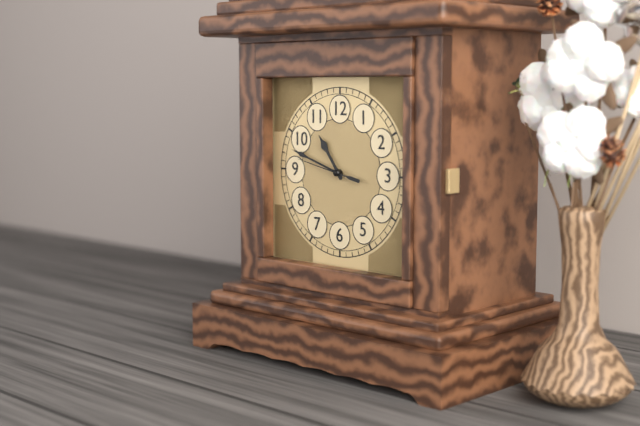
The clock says 10:48:47
